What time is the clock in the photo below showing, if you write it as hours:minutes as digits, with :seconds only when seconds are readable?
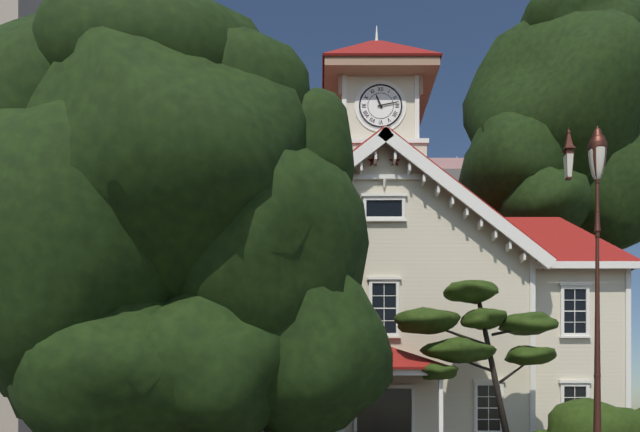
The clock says 11:13
